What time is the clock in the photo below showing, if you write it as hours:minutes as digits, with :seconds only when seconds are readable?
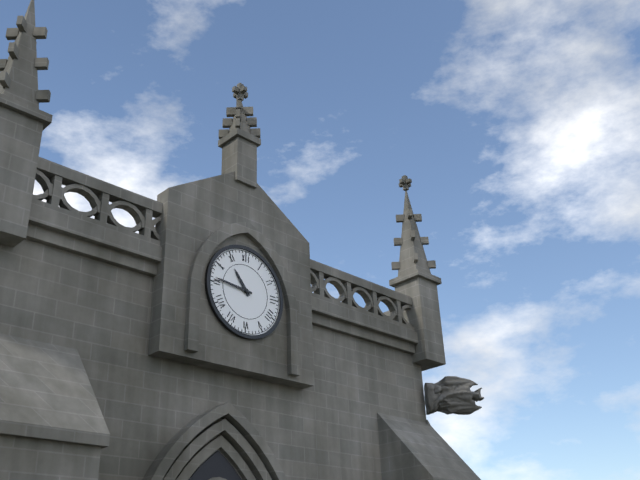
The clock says 10:46
